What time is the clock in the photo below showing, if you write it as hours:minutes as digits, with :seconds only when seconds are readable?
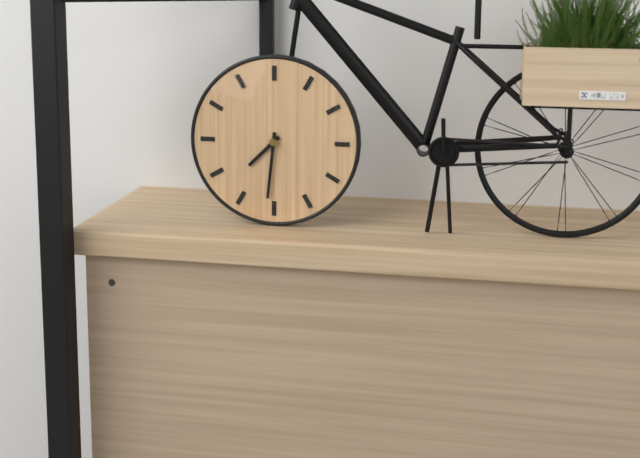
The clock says 7:31
